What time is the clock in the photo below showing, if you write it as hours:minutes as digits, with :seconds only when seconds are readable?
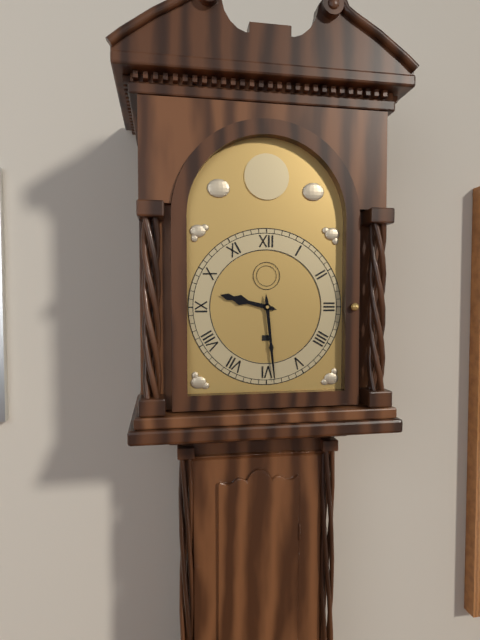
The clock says 9:29
